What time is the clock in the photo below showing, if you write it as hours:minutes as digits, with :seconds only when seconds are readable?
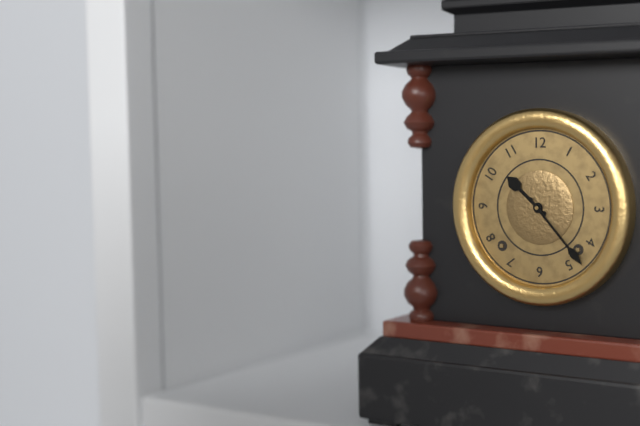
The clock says 10:23
